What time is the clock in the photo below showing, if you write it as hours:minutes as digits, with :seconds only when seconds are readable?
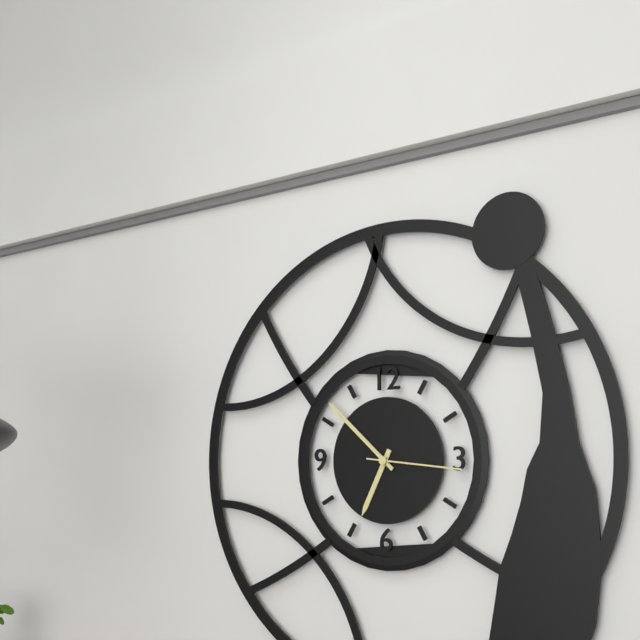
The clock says 6:52:16
